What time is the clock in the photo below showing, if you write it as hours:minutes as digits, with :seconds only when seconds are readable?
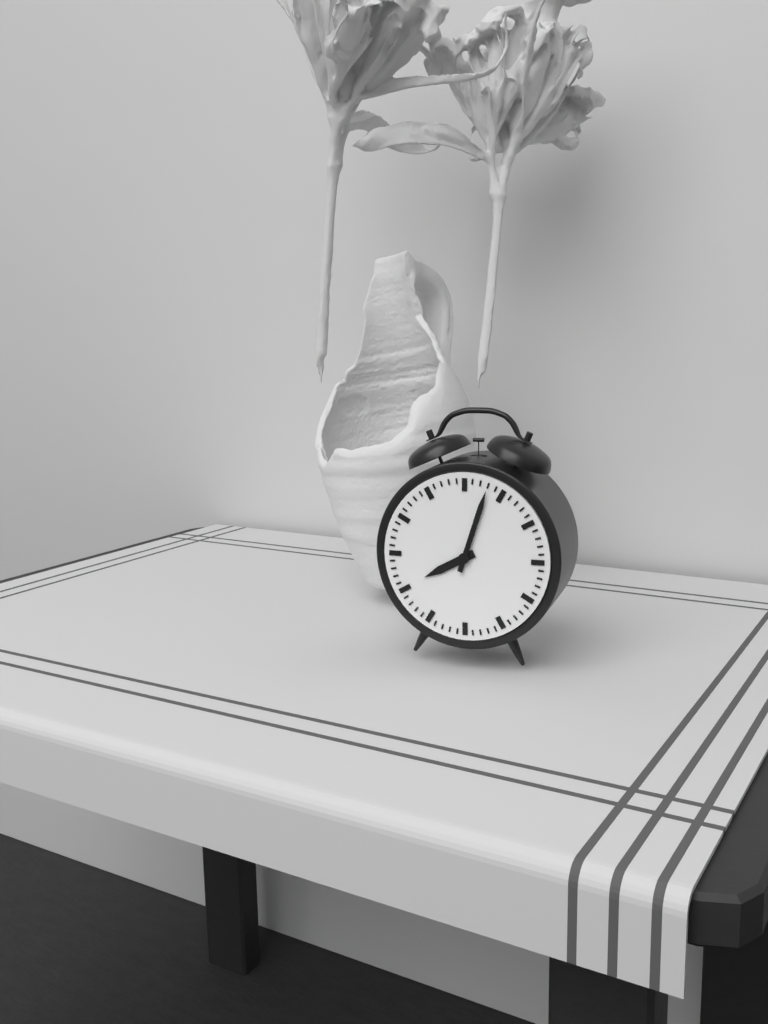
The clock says 8:03
